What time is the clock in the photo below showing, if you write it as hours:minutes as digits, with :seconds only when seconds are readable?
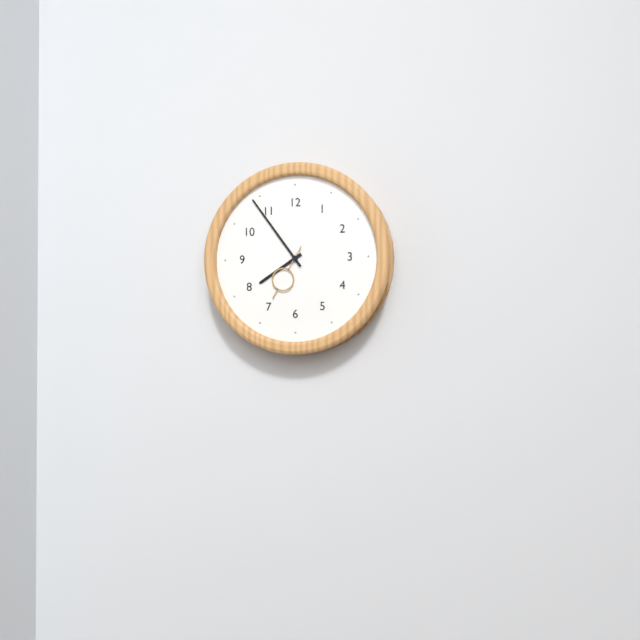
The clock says 7:54:35
